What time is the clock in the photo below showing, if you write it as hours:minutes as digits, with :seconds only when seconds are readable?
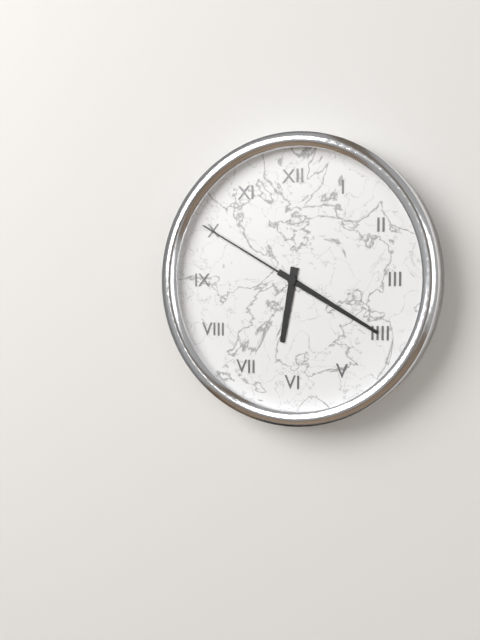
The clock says 6:20:50
